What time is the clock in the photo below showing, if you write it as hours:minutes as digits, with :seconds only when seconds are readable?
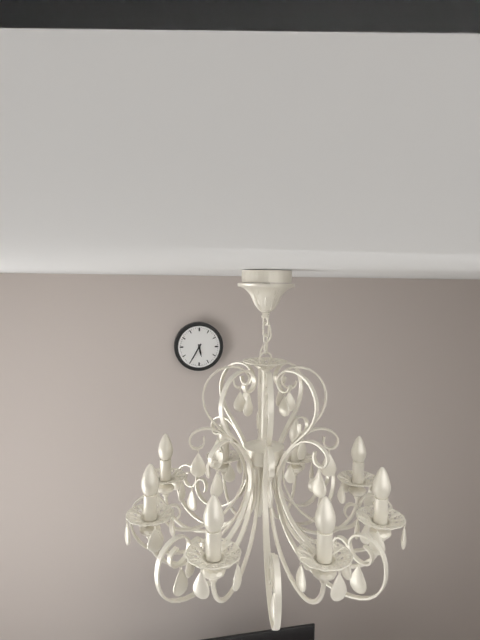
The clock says 5:35
